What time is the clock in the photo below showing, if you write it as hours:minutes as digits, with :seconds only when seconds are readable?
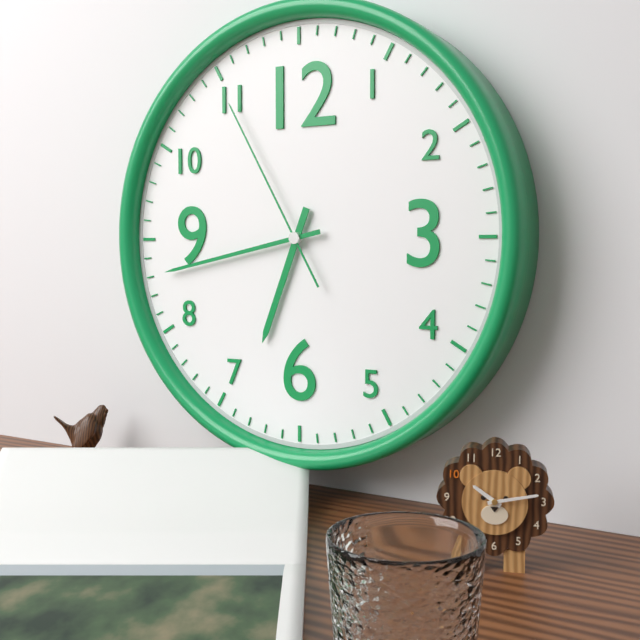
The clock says 6:43:55
